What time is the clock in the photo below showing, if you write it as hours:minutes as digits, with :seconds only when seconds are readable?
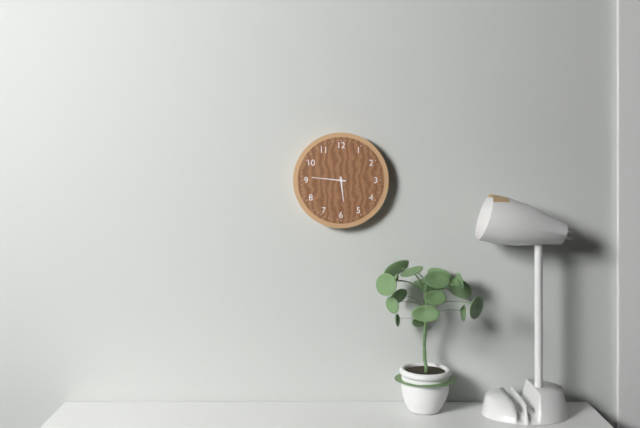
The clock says 5:46
